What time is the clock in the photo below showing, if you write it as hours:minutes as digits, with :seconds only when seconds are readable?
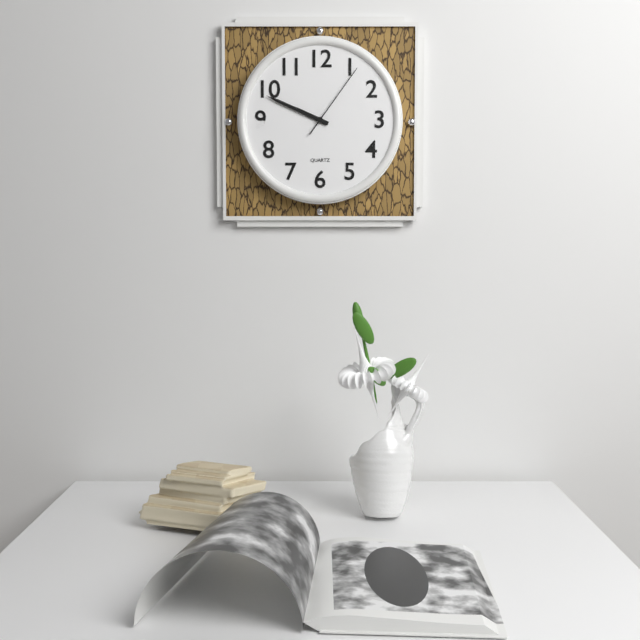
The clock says 9:49:06
